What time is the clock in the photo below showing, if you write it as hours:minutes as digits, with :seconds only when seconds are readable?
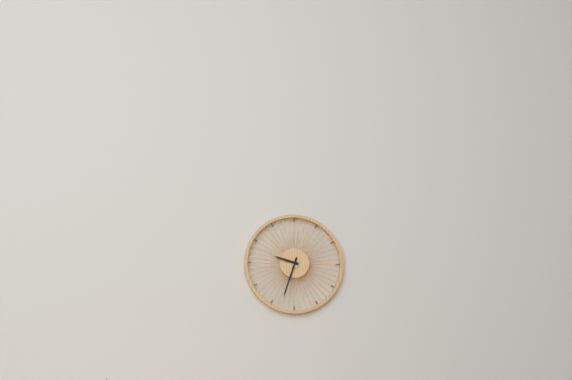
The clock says 9:33
